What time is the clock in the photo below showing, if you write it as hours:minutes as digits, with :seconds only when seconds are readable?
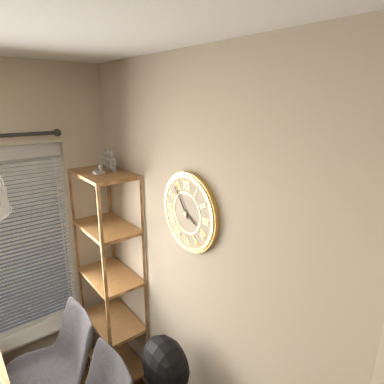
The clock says 3:54
